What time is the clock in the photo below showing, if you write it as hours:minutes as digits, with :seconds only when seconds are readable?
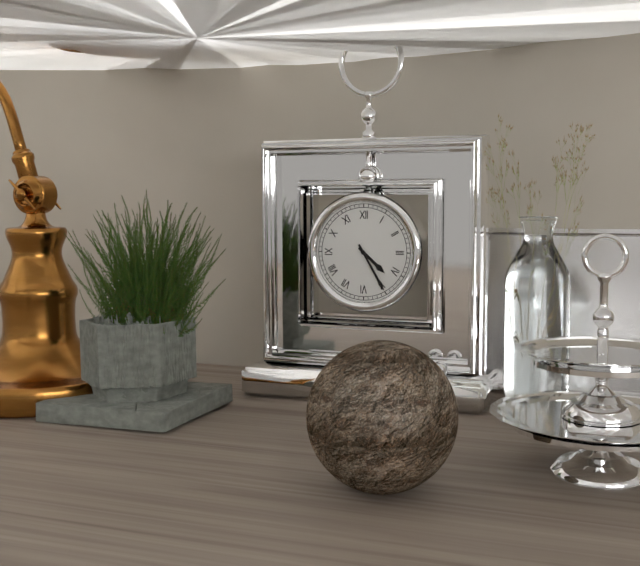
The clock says 4:25
